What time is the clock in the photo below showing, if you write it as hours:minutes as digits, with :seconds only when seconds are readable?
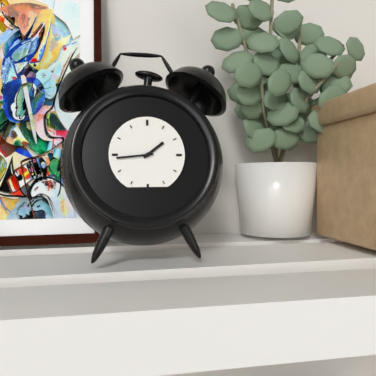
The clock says 1:44
